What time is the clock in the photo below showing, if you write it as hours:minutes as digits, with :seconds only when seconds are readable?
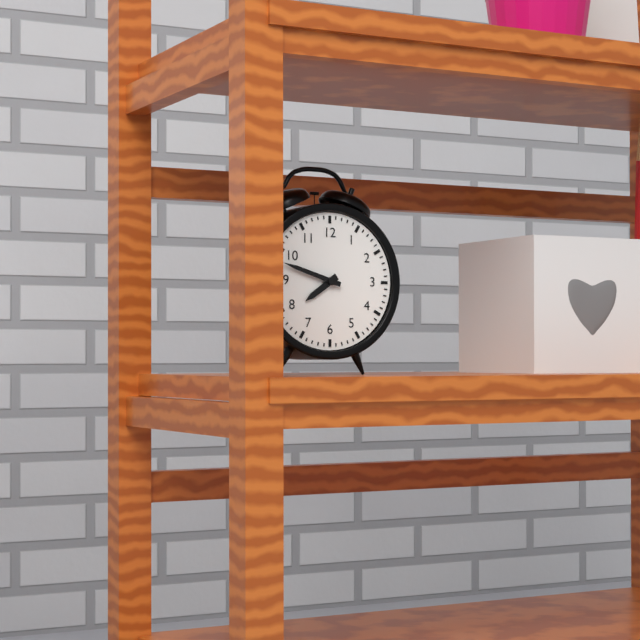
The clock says 7:48
